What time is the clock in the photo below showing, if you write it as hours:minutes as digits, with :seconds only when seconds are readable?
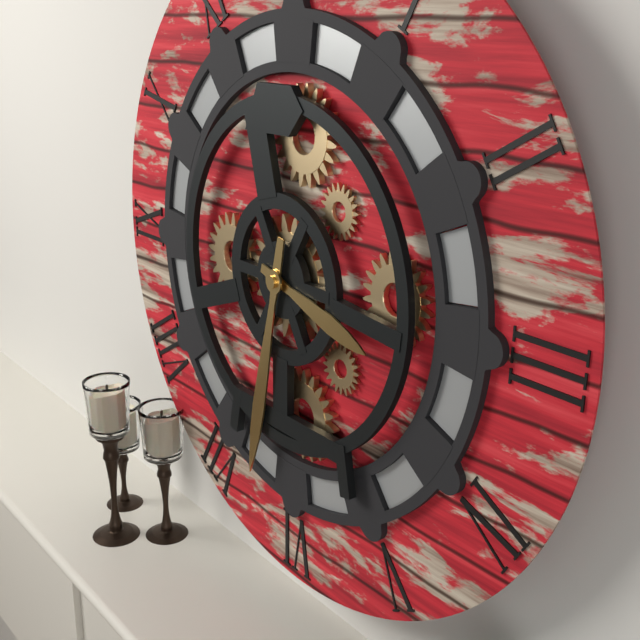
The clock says 3:32
